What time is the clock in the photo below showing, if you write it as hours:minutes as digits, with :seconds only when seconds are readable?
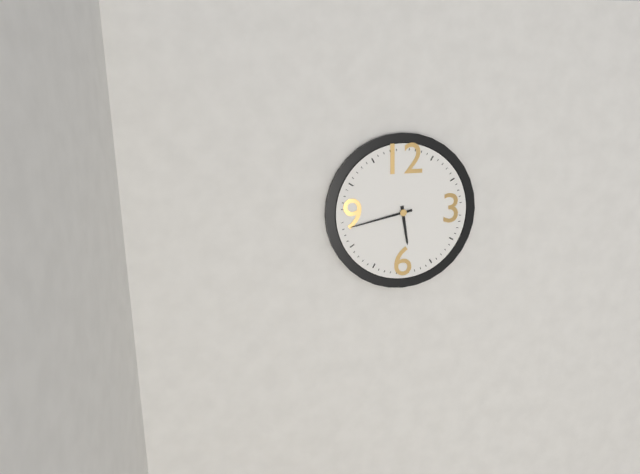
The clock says 5:43
